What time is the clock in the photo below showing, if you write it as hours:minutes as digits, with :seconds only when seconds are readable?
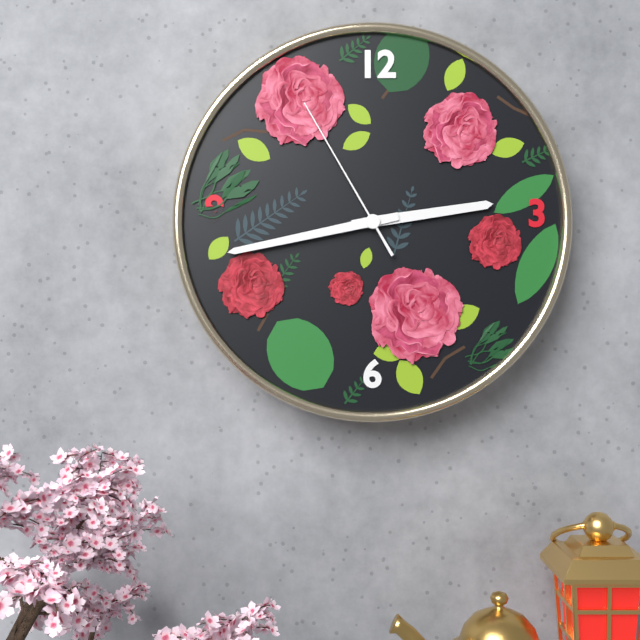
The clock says 2:43:55
